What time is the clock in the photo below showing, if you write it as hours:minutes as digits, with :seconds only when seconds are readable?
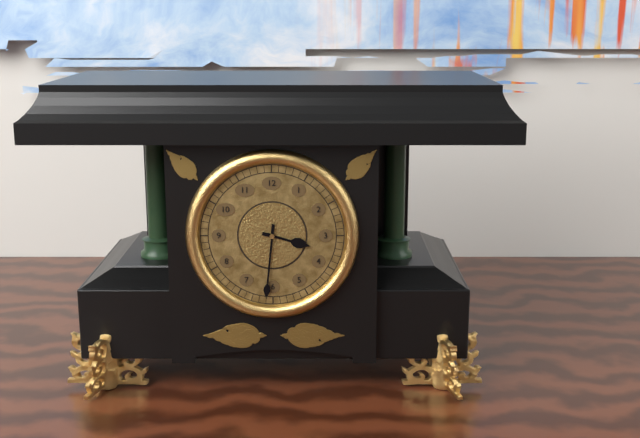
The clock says 3:31
